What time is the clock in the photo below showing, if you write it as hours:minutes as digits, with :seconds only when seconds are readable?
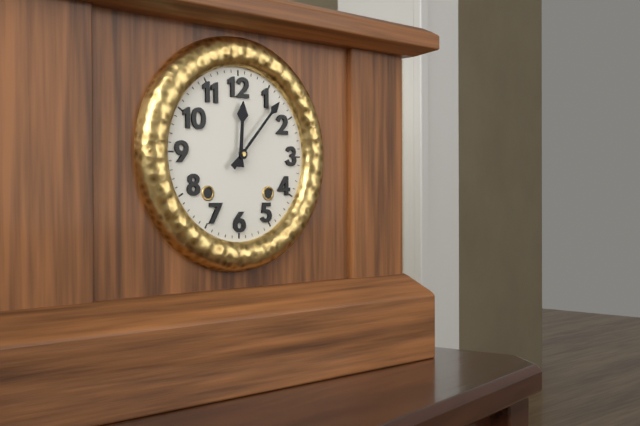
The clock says 12:07
